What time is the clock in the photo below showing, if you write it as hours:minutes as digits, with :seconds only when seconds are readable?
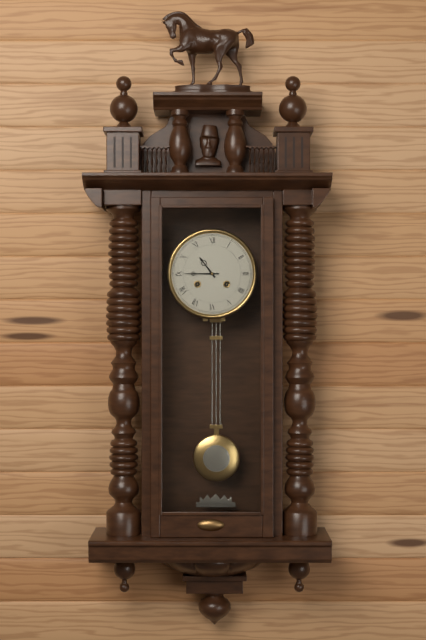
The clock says 10:45
